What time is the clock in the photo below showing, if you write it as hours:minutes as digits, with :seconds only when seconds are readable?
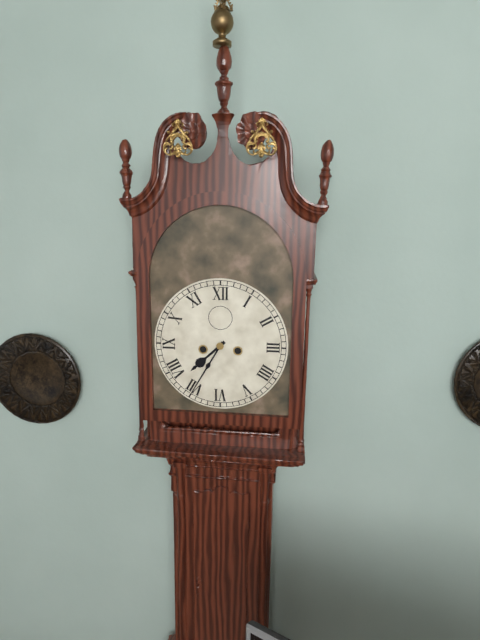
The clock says 7:35
